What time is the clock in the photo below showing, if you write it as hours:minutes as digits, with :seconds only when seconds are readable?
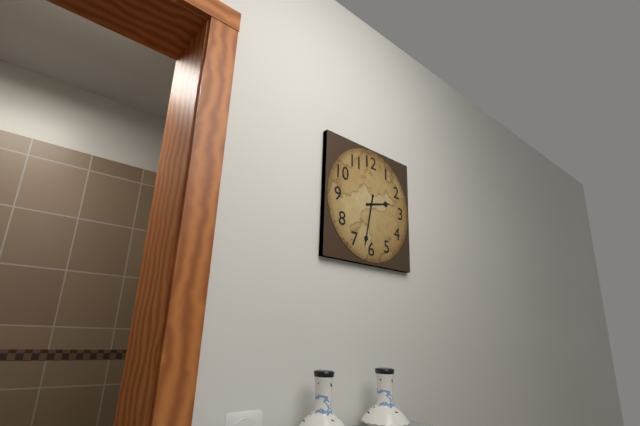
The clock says 2:32
